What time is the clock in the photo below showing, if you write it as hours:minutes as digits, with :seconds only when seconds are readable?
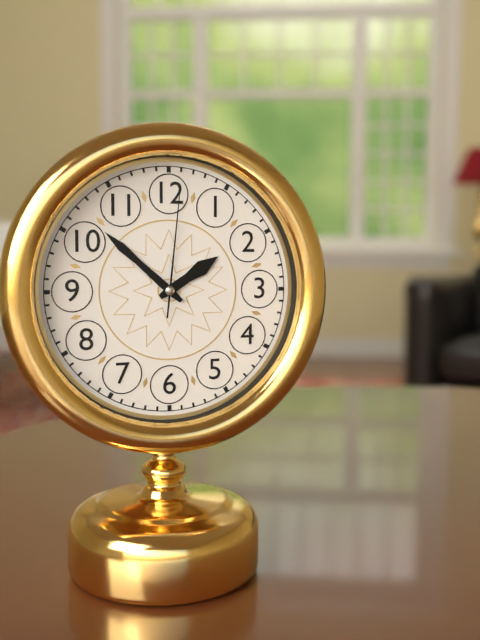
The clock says 1:52:01
